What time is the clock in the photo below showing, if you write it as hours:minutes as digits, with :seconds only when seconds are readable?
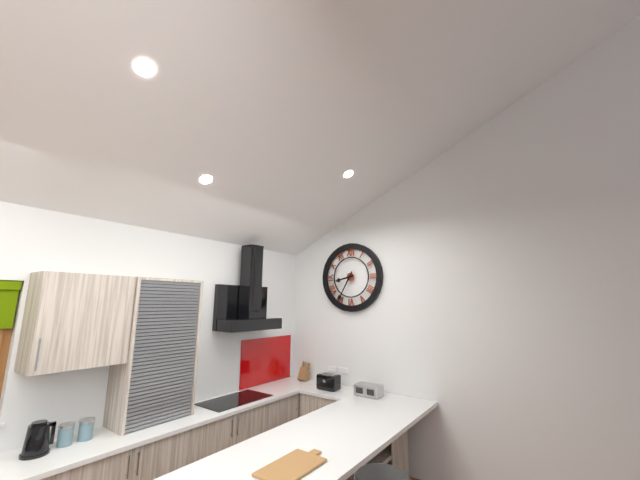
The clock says 8:35
